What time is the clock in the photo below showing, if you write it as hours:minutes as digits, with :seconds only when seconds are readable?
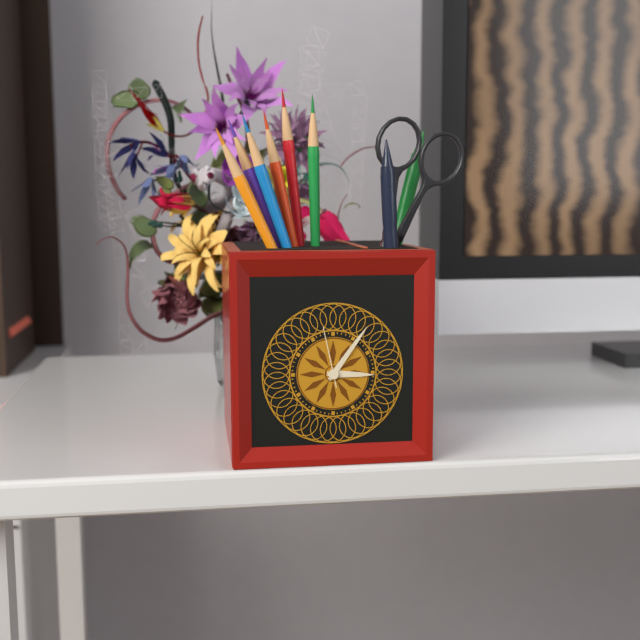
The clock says 3:06:58
